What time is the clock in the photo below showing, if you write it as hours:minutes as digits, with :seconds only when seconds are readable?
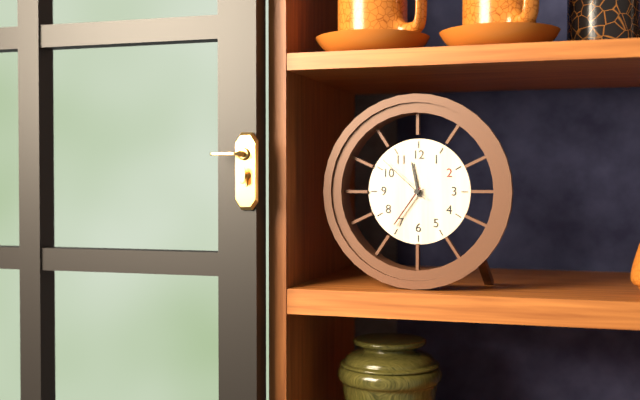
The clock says 11:36:52
